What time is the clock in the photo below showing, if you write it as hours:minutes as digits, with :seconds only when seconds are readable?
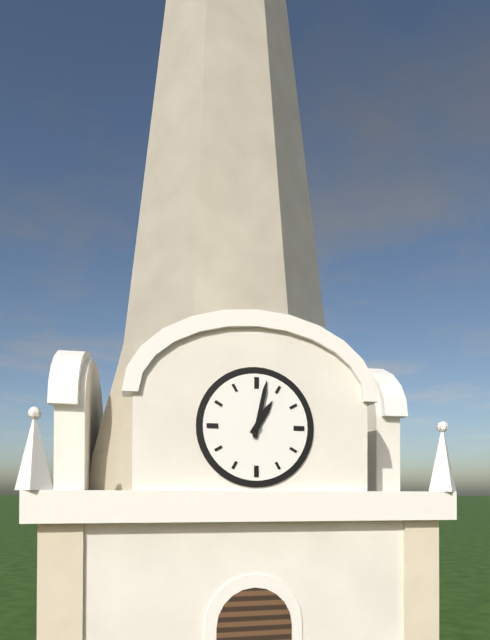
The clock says 1:02
